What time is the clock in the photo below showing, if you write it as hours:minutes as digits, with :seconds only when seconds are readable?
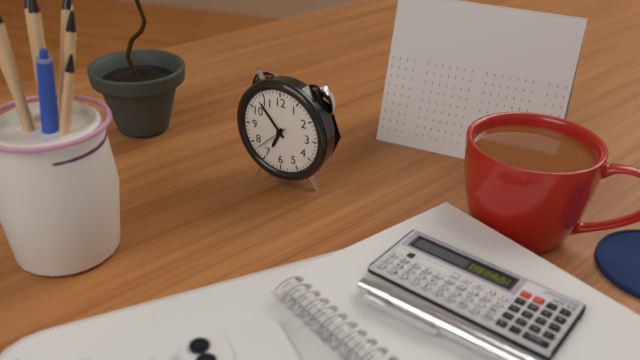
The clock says 6:53
